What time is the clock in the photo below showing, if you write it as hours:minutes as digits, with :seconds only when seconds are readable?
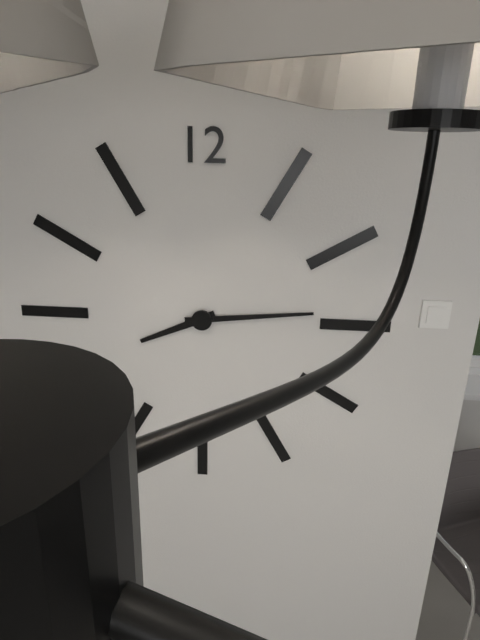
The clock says 8:14
